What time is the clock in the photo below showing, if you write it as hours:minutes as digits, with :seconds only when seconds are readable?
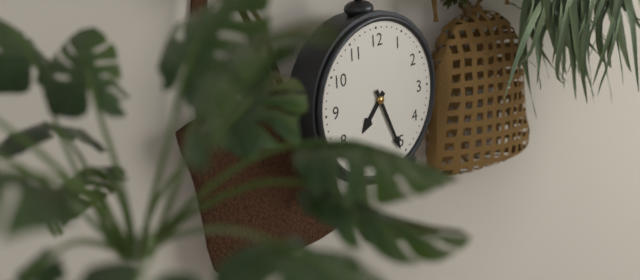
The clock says 7:26
